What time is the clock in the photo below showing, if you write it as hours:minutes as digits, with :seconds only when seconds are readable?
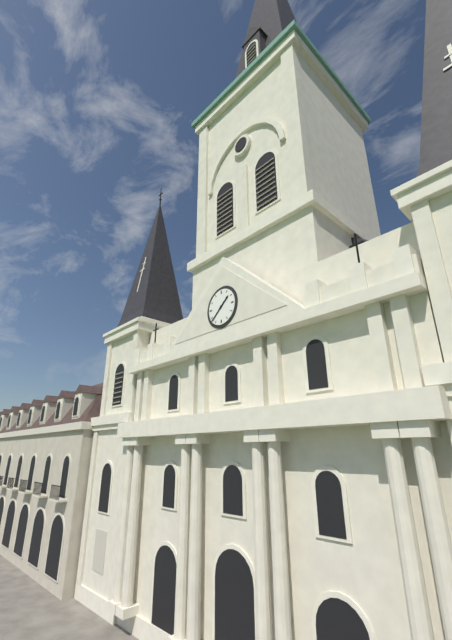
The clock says 1:38
